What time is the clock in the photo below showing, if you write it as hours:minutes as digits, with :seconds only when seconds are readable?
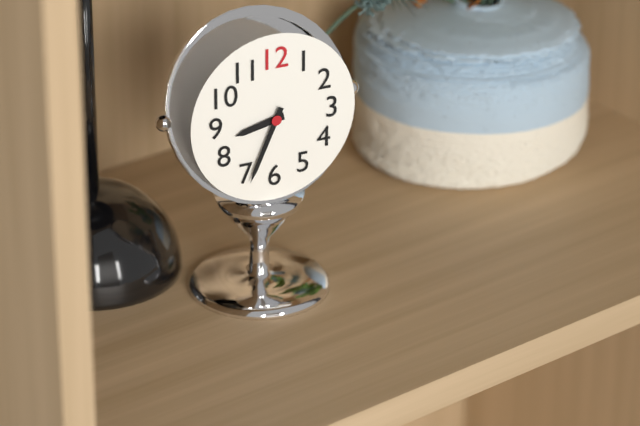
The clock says 8:34
